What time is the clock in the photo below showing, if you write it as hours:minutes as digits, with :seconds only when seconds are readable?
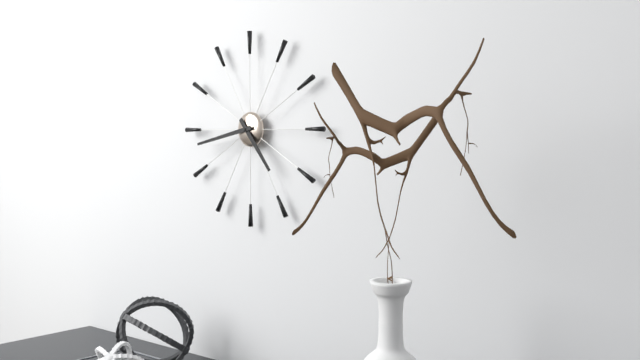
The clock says 4:43
